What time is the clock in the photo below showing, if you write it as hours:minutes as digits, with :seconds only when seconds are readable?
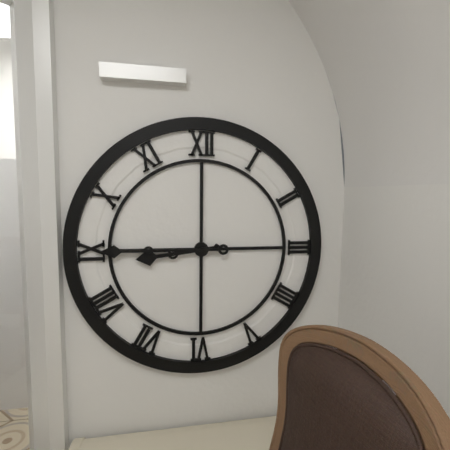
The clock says 8:45
